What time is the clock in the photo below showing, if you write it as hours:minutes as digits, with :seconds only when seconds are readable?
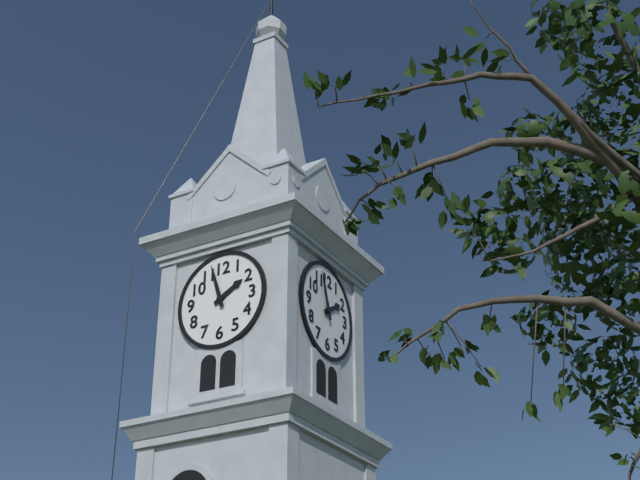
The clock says 1:57
